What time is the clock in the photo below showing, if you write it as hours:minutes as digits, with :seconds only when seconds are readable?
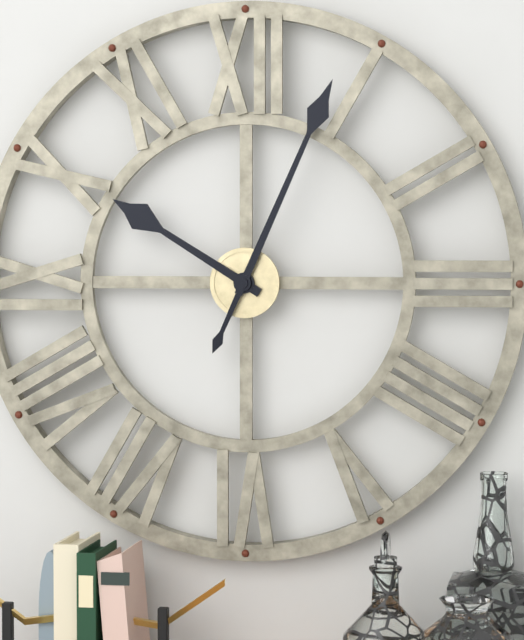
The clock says 10:04
